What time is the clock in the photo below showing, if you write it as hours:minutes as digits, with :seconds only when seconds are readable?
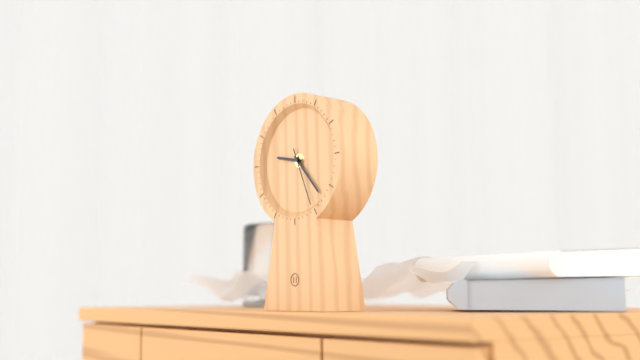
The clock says 9:23:26
